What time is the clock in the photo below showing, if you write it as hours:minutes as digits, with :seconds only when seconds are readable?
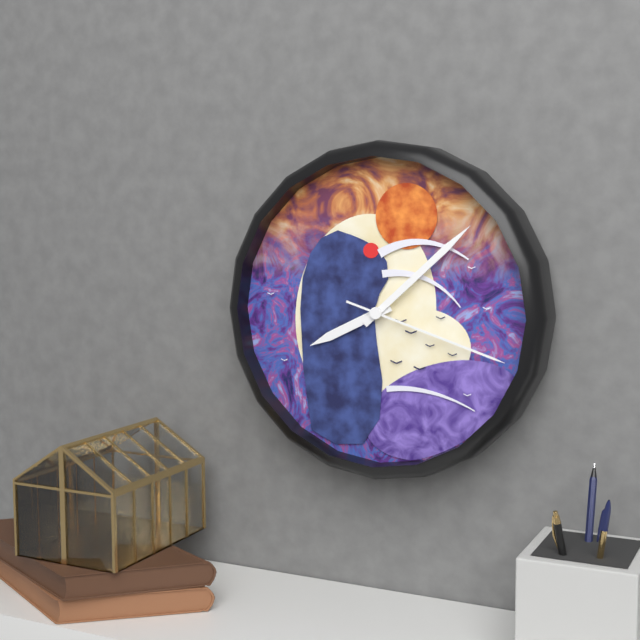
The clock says 8:08:18
